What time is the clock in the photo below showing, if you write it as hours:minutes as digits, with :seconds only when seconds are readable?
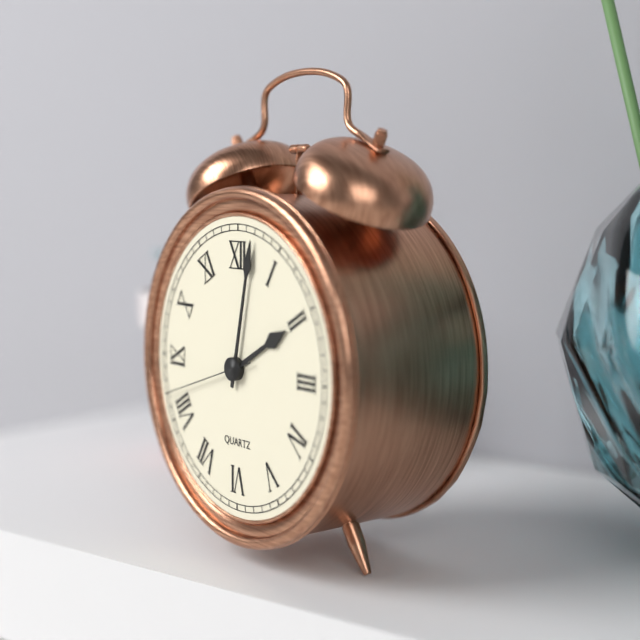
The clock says 2:02:42
